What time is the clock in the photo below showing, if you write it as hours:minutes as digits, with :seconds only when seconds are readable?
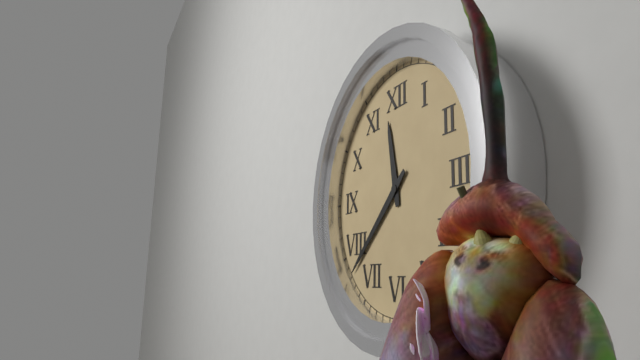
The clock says 11:38
